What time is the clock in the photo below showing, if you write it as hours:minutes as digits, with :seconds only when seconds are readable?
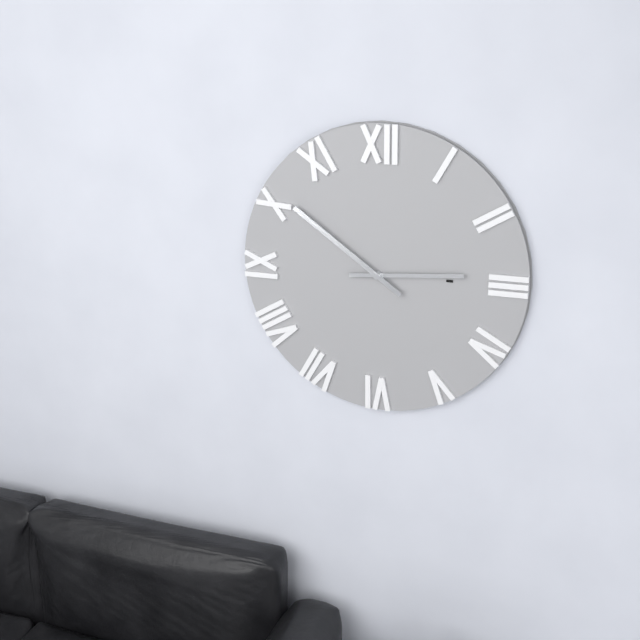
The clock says 2:51
